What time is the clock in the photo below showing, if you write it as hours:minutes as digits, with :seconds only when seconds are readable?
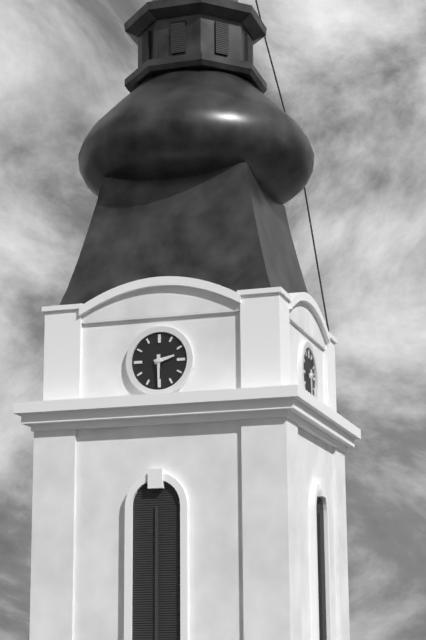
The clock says 2:30
